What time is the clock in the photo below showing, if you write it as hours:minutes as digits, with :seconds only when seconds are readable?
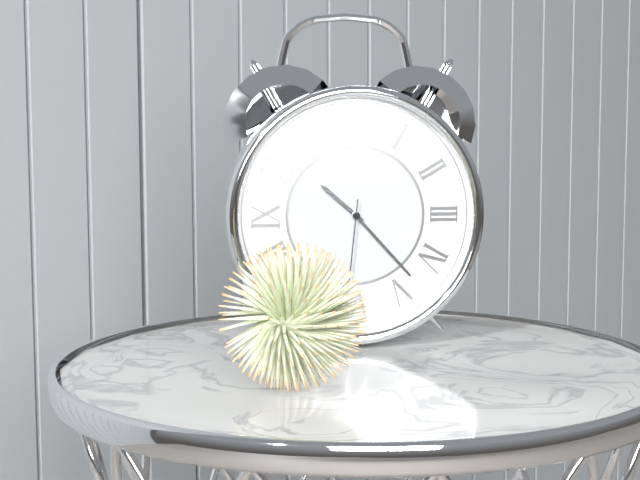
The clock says 10:23:31
